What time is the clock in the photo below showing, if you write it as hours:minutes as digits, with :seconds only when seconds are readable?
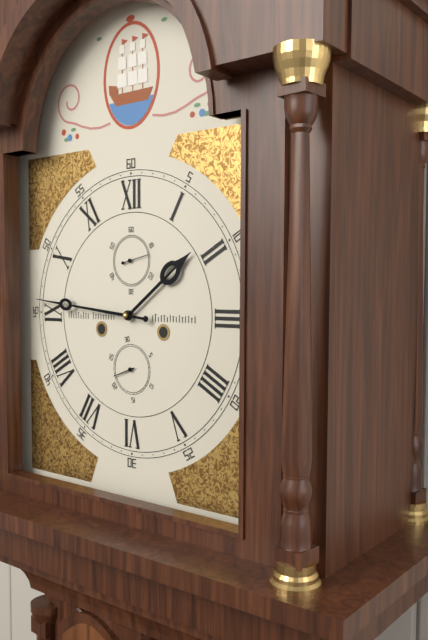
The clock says 1:46
